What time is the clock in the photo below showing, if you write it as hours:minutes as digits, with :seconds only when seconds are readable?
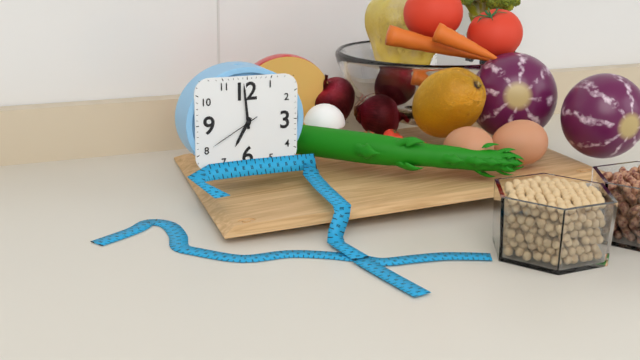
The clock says 6:59:40
